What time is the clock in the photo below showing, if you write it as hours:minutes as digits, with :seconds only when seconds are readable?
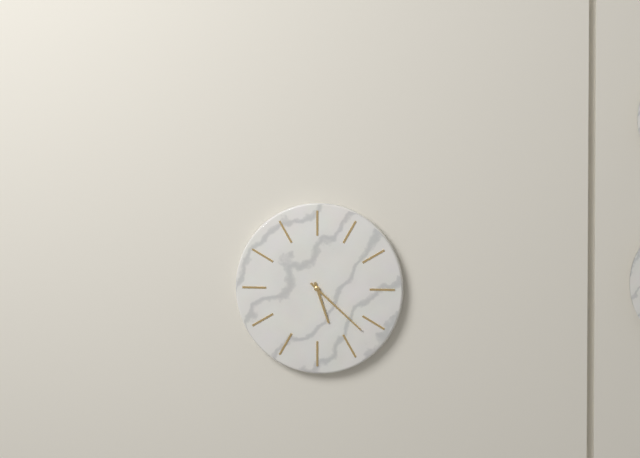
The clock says 5:22
